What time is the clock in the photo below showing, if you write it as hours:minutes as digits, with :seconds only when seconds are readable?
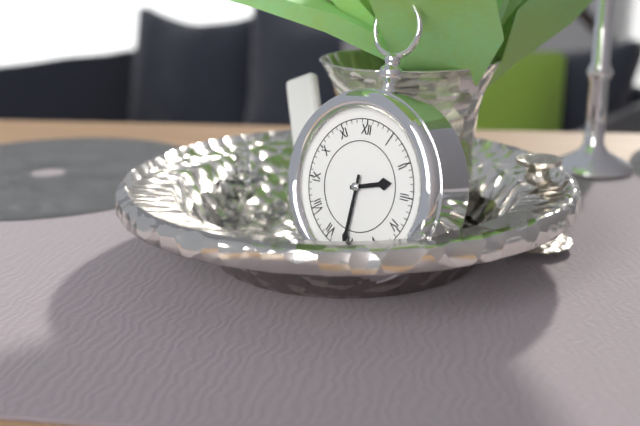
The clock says 2:31
